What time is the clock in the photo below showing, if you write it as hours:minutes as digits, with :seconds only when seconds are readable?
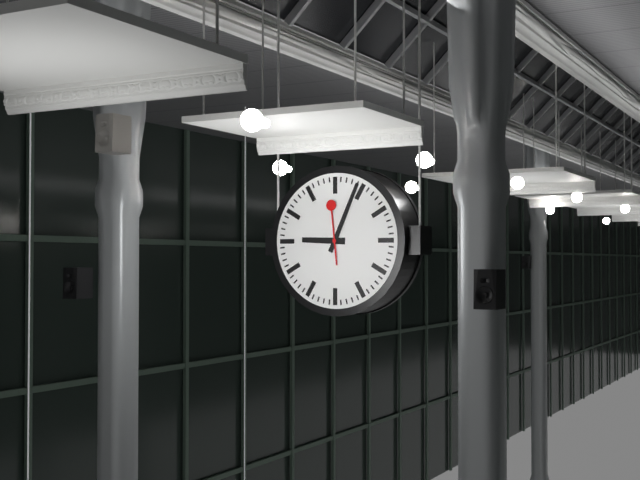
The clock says 9:04:59
